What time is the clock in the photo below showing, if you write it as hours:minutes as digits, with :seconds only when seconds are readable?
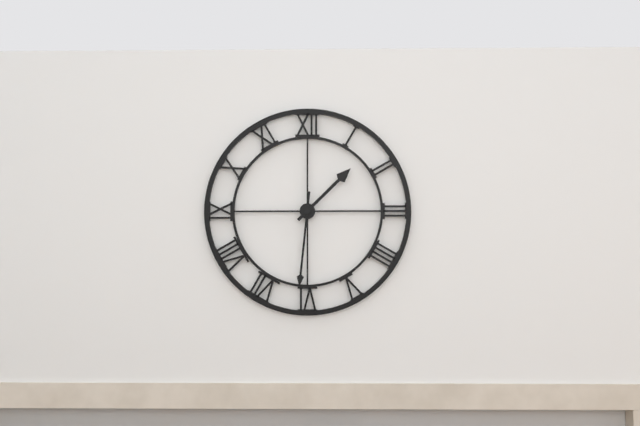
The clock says 1:31
